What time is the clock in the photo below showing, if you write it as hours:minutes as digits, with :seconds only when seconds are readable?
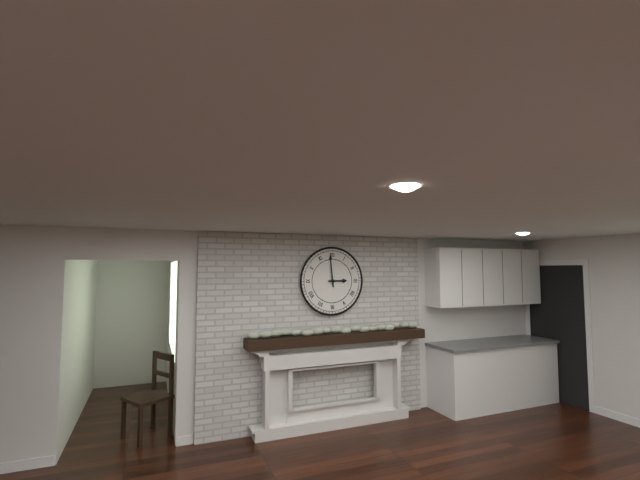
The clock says 2:59
